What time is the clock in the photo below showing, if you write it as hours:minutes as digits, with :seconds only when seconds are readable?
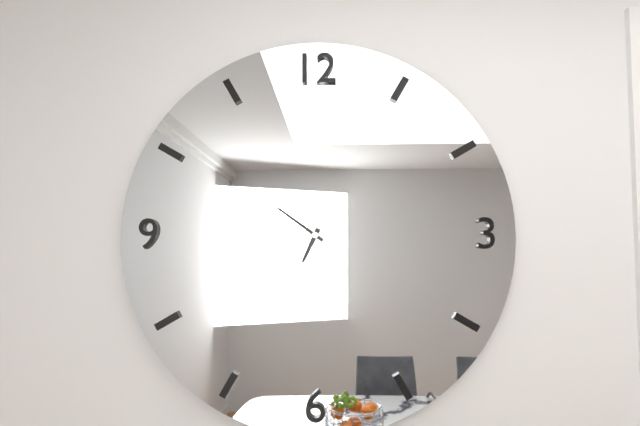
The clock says 6:51
